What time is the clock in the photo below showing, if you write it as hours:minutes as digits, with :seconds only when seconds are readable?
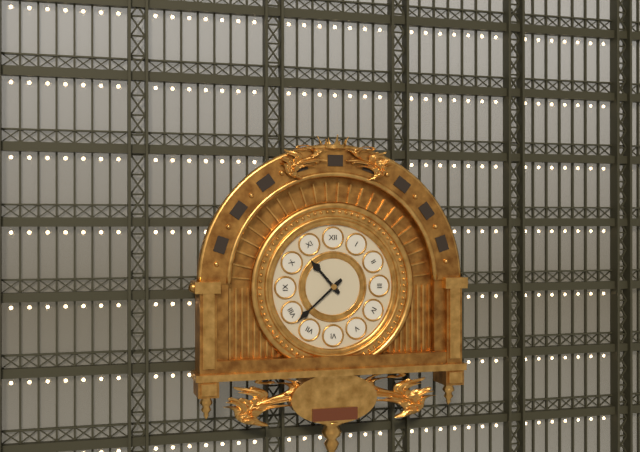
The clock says 10:38
